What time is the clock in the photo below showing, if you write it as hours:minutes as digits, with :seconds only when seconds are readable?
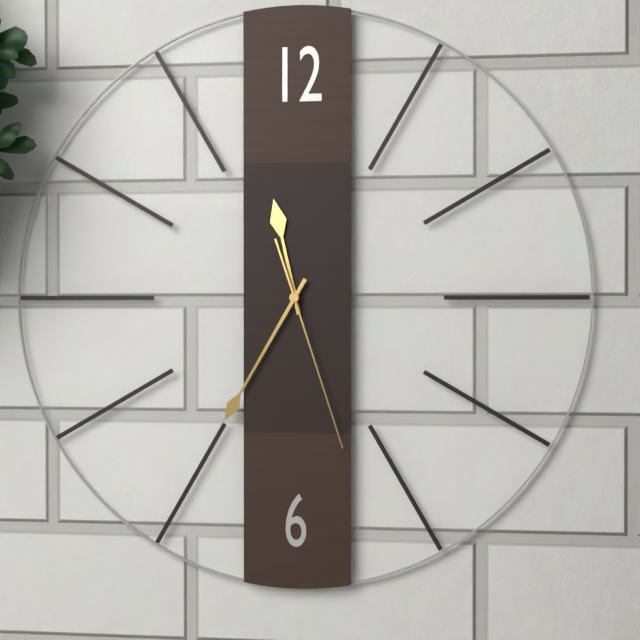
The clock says 11:35:27
